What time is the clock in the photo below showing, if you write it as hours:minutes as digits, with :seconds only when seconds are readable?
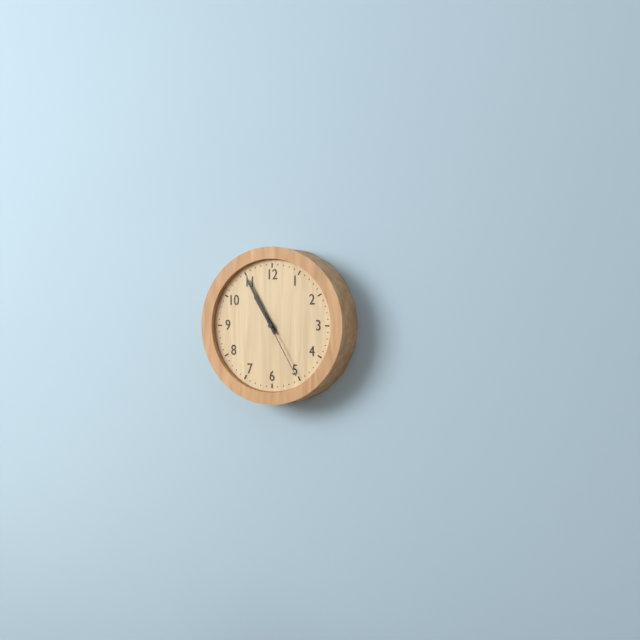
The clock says 10:55:25
